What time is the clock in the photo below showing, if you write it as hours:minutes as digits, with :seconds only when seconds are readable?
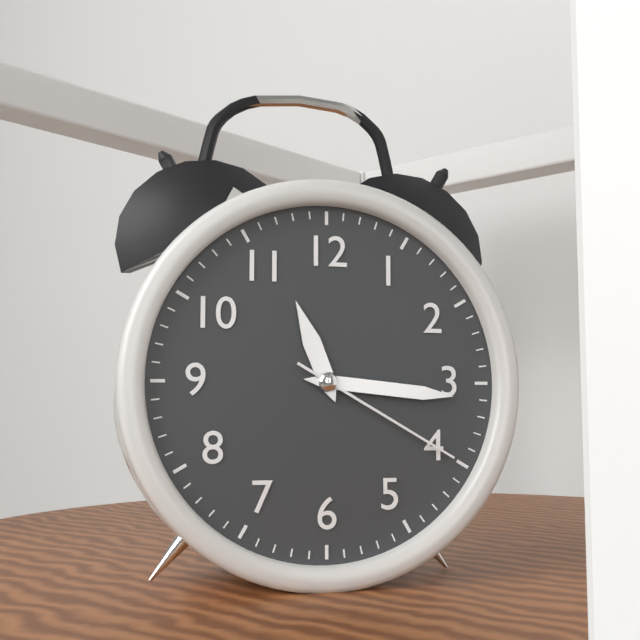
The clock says 11:16:20
